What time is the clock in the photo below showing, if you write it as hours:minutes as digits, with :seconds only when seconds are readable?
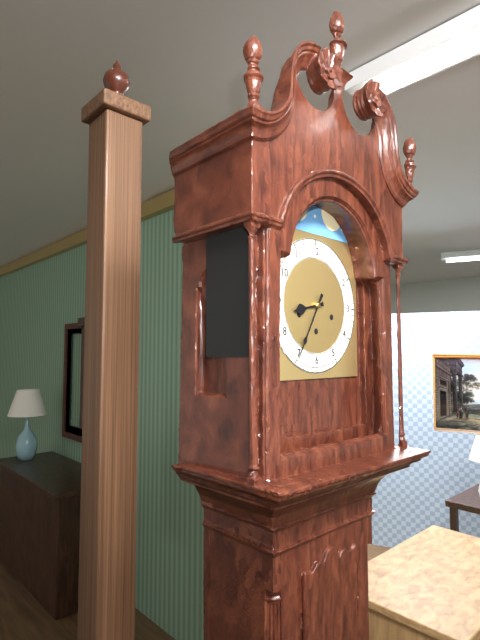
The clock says 8:35
